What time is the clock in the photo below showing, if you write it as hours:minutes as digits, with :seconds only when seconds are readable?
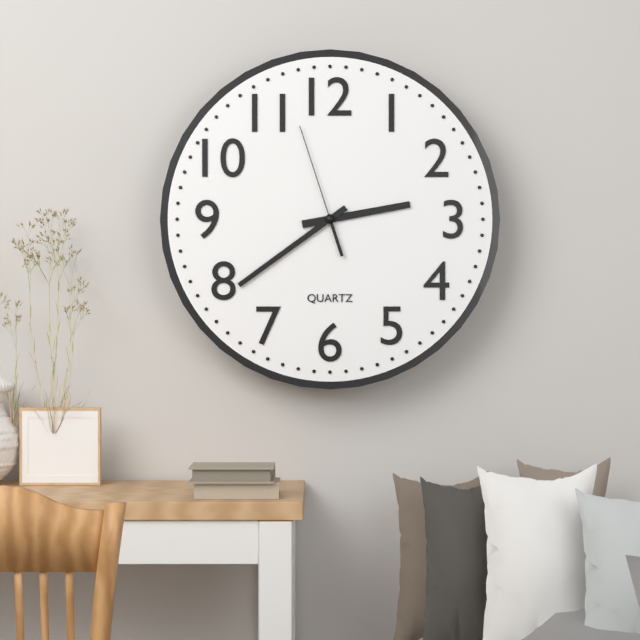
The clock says 2:39:57
